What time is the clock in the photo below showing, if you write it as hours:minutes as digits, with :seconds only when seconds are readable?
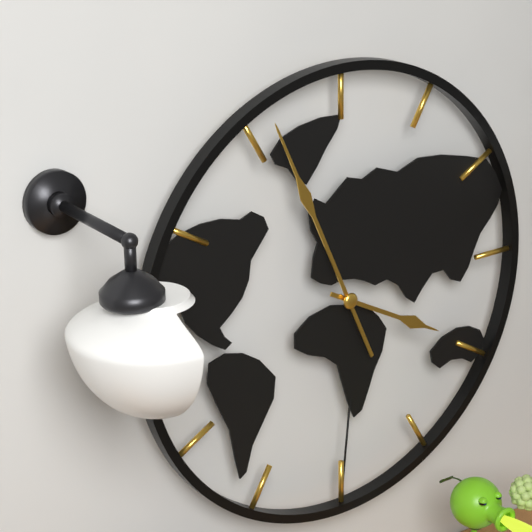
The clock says 3:56
